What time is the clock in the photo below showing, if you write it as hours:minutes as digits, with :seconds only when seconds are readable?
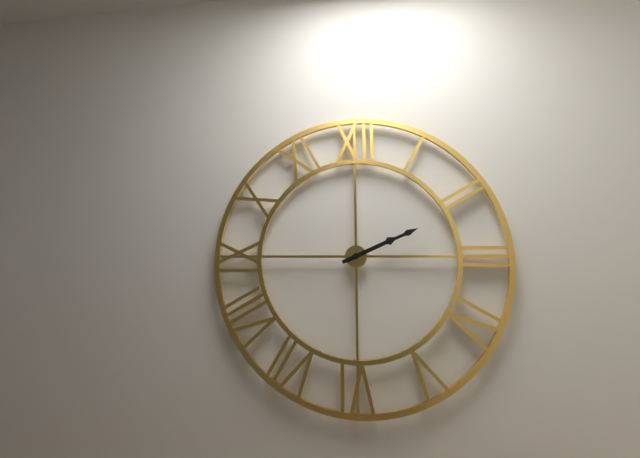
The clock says 2:11
